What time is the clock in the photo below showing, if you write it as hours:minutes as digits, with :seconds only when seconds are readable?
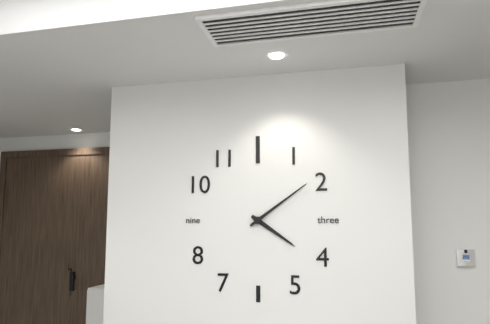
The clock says 4:09
